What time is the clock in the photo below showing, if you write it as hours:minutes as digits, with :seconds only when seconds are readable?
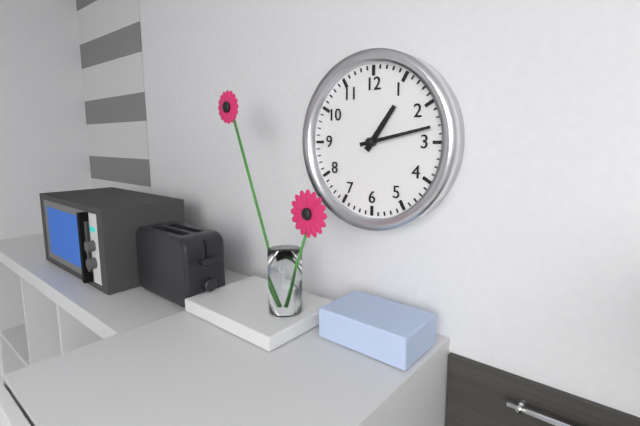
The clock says 1:13
